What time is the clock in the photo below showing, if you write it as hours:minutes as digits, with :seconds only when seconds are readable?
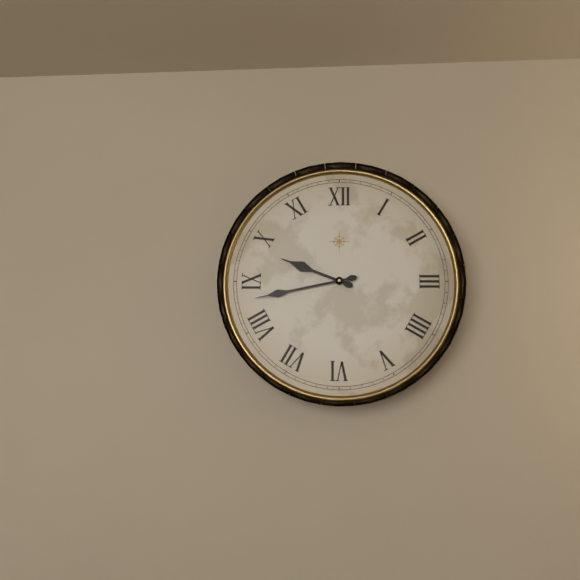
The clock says 9:43
